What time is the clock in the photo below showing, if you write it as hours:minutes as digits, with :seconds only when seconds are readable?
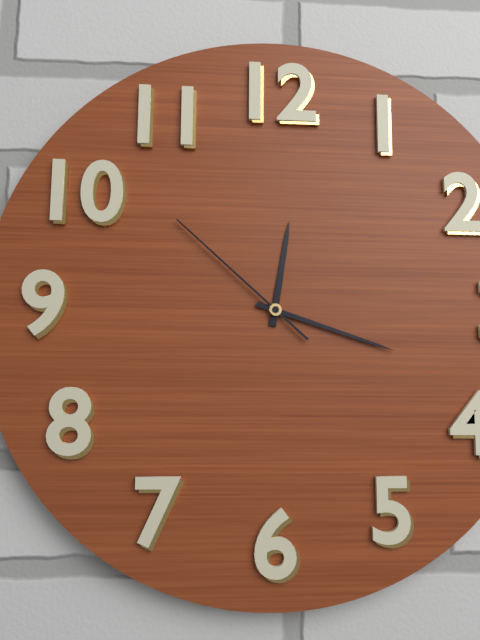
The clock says 12:18:52
